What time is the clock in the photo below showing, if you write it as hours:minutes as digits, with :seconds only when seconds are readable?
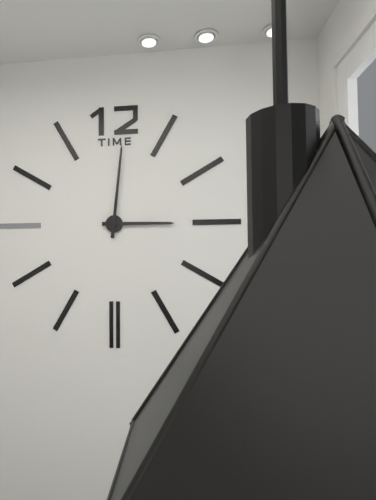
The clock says 3:01
